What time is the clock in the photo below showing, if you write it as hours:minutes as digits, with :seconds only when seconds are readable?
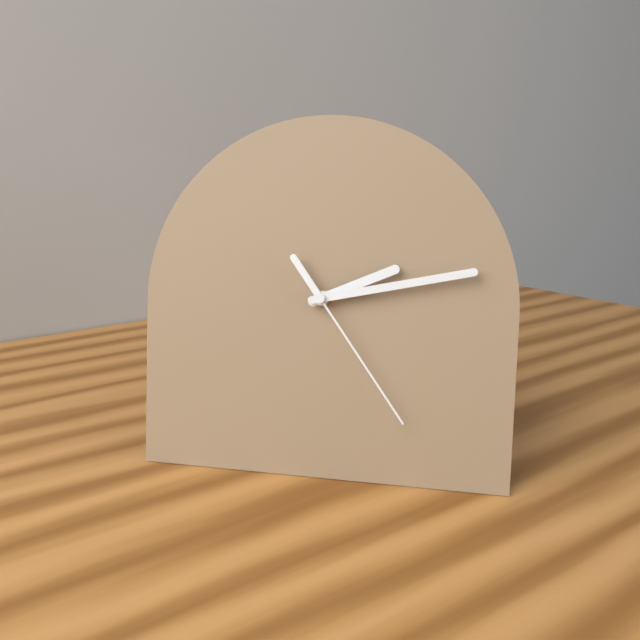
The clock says 2:13:24
